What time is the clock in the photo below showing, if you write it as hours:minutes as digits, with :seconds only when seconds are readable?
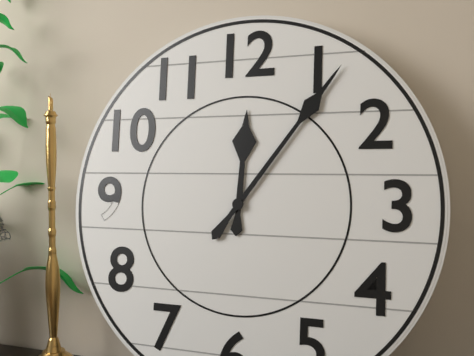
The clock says 12:06
